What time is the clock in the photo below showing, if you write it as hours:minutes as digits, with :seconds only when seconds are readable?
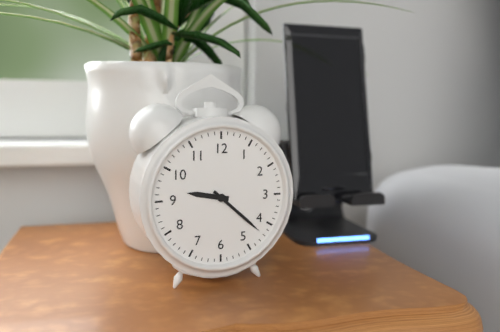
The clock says 9:22
